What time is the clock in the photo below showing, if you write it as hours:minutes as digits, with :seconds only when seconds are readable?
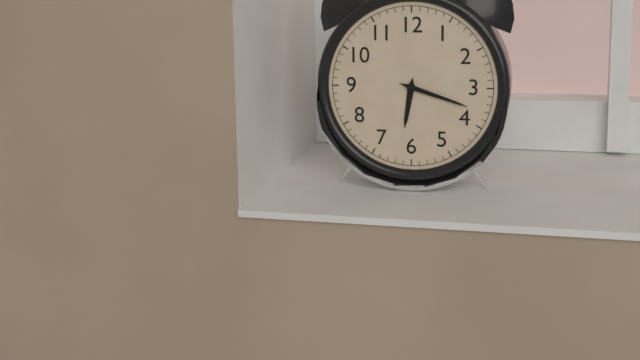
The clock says 6:18
